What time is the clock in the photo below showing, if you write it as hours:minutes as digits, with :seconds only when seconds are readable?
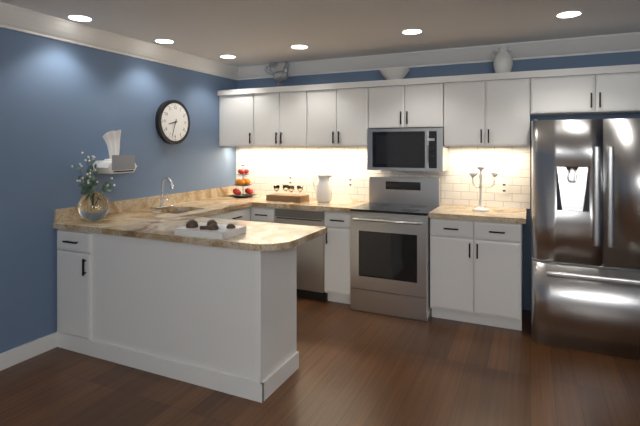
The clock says 8:33
